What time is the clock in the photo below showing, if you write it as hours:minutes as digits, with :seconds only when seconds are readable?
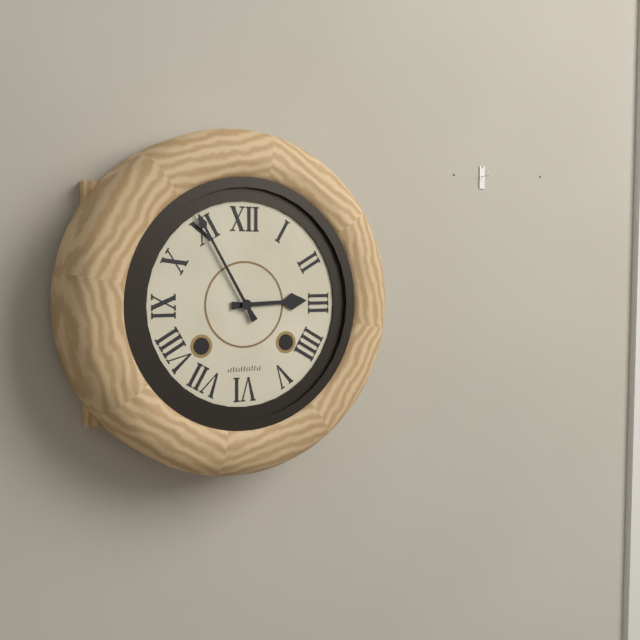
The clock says 2:55
